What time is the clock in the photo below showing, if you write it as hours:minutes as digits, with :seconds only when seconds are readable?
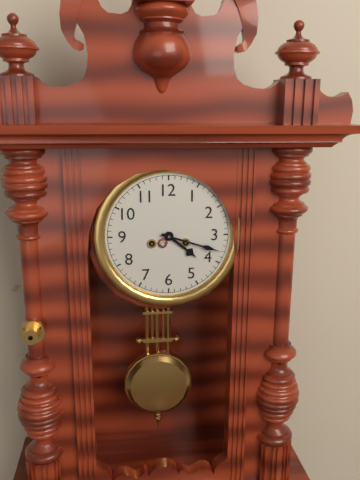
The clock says 4:18
